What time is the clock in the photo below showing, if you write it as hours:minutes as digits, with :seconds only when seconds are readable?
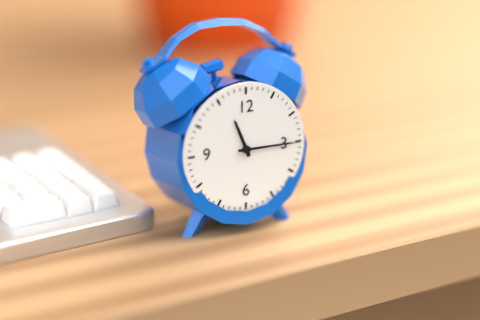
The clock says 11:15
